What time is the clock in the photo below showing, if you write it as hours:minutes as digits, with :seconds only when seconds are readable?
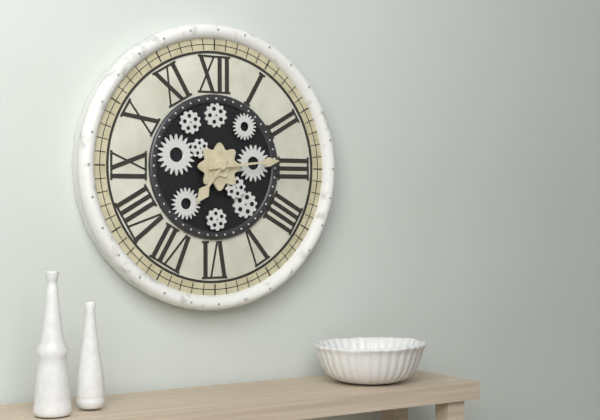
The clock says 7:14
